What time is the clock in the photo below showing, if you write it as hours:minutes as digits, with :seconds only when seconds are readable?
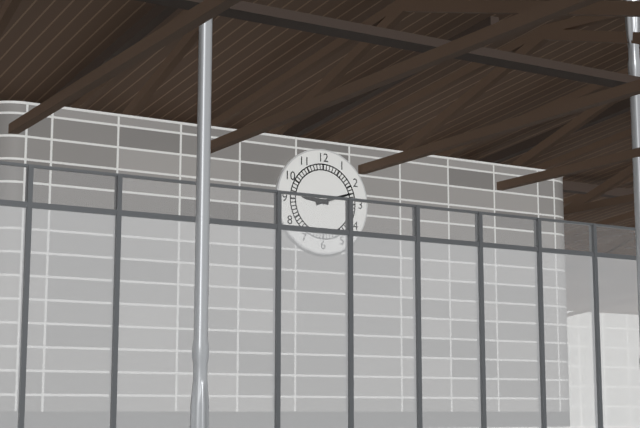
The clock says 9:12
